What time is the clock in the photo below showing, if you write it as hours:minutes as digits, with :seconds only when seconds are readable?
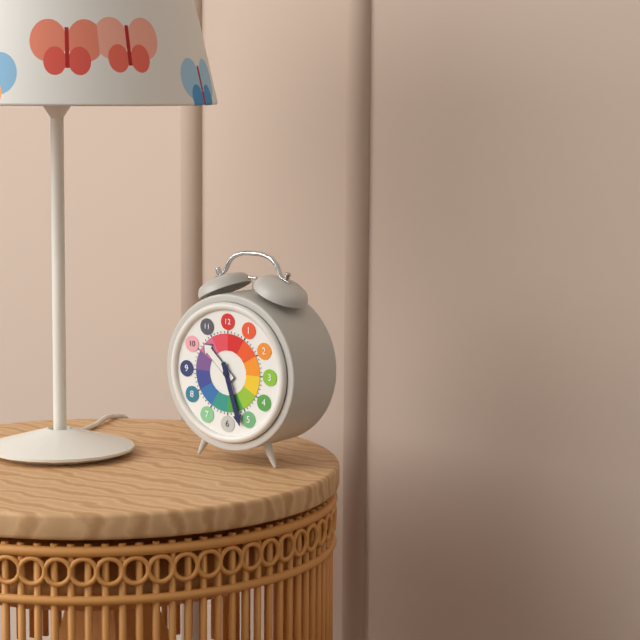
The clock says 10:27
